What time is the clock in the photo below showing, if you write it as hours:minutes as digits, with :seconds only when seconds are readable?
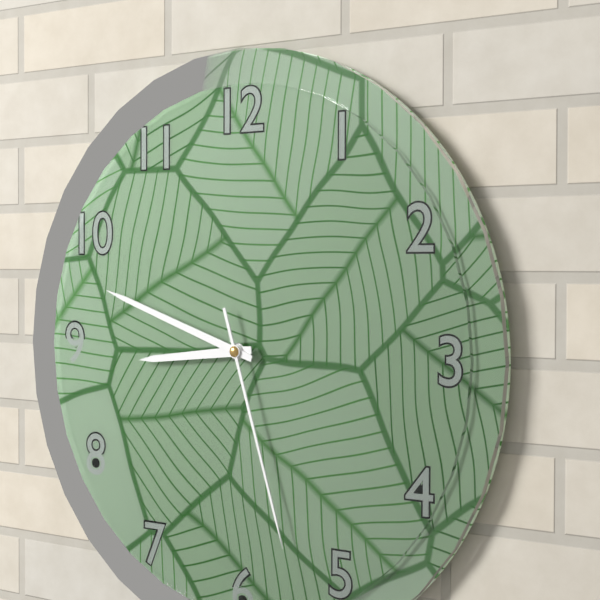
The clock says 8:48:27
